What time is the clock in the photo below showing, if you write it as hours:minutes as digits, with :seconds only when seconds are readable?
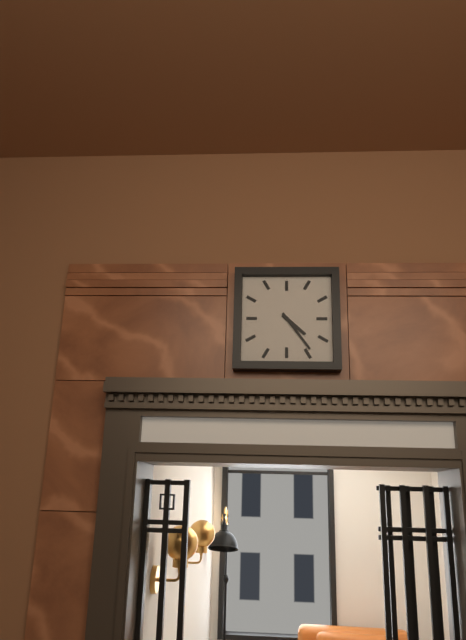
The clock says 4:24
